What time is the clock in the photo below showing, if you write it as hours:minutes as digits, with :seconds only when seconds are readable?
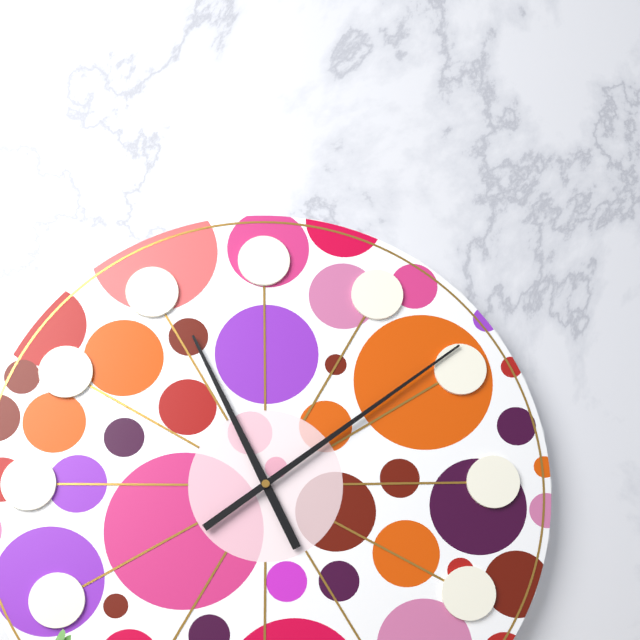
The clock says 11:09
